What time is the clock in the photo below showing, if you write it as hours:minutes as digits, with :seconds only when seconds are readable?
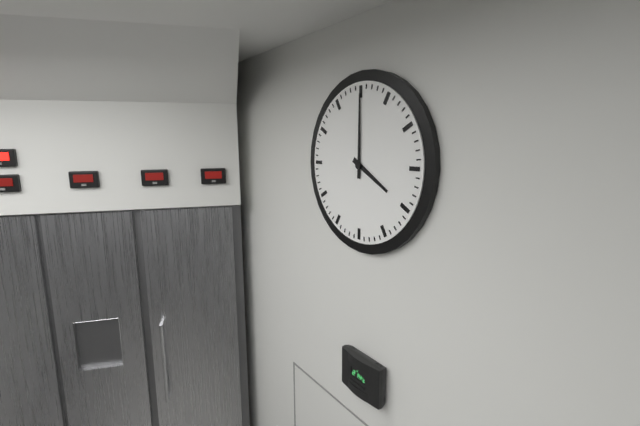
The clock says 4:00
